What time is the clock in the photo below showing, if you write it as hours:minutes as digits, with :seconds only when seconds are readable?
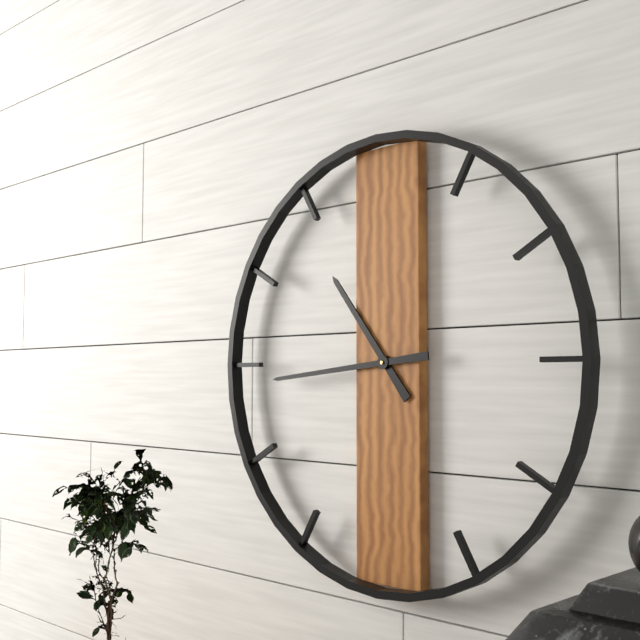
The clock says 10:44
